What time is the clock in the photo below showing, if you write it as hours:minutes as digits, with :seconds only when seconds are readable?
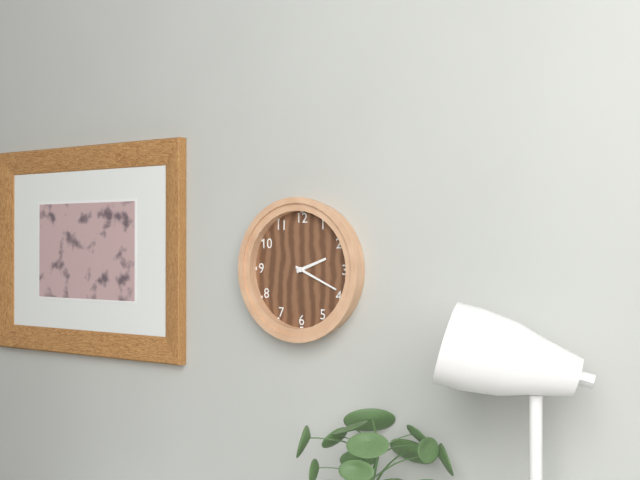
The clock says 2:19
